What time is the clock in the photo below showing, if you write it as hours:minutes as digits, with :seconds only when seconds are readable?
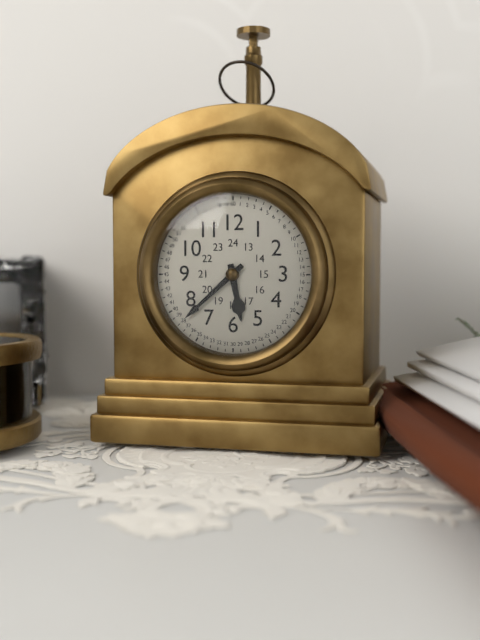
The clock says 5:38
